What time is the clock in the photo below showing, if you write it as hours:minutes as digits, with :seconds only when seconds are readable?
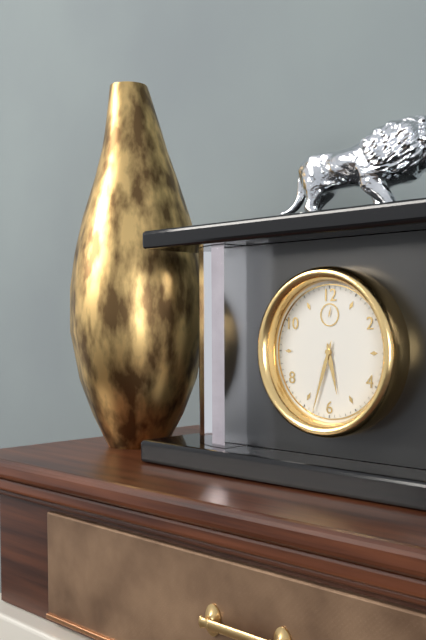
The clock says 5:33
